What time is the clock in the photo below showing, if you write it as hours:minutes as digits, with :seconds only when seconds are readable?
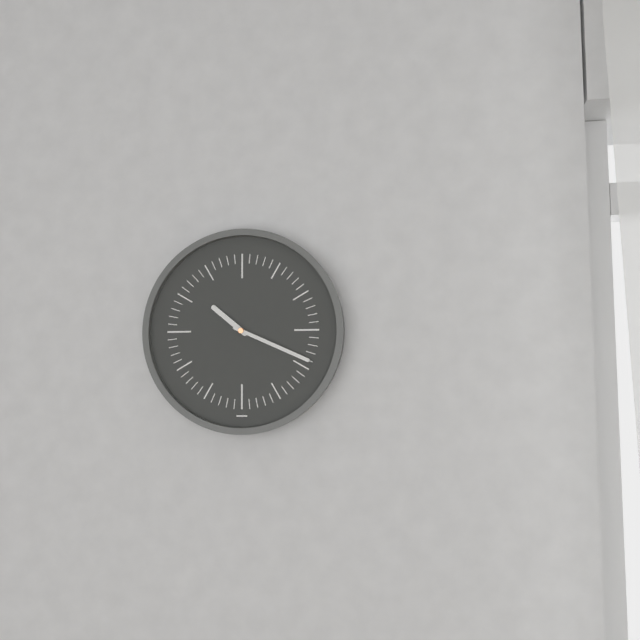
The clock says 10:19
